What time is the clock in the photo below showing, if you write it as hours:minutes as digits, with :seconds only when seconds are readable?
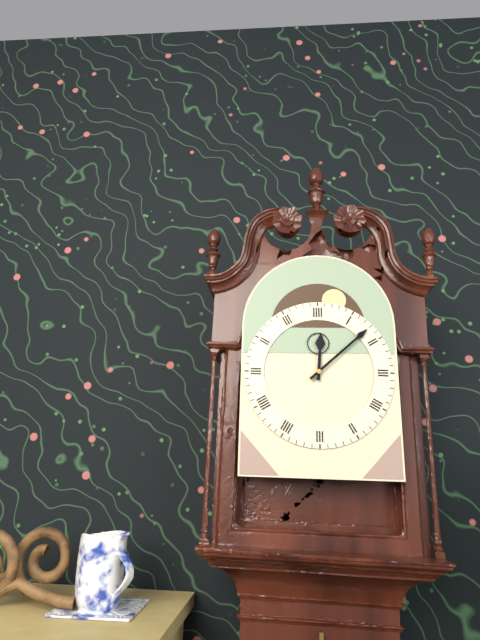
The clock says 12:08
